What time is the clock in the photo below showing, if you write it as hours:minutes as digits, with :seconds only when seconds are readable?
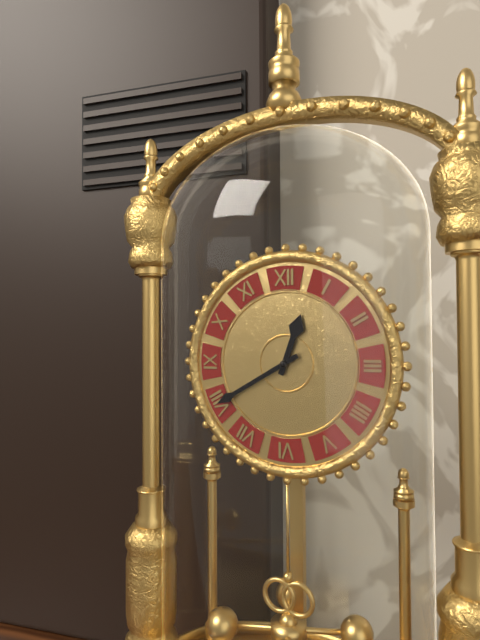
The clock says 12:40
